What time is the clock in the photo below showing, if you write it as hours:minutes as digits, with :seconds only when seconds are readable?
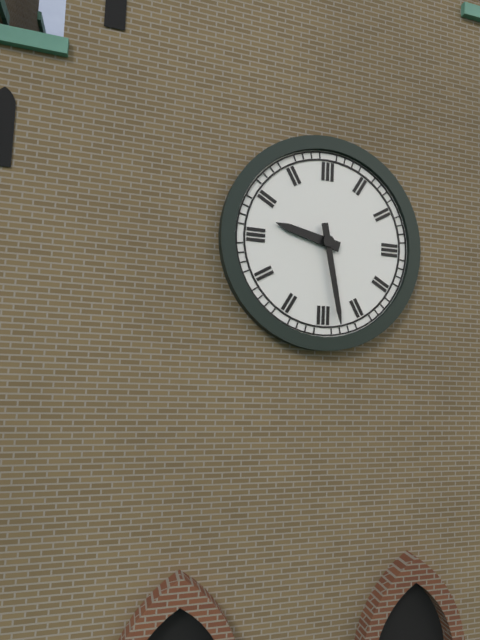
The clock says 9:28
